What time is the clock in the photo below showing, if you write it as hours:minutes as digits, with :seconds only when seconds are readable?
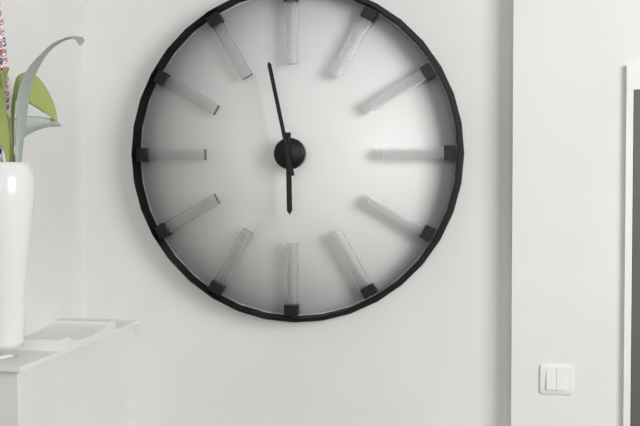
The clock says 5:58
